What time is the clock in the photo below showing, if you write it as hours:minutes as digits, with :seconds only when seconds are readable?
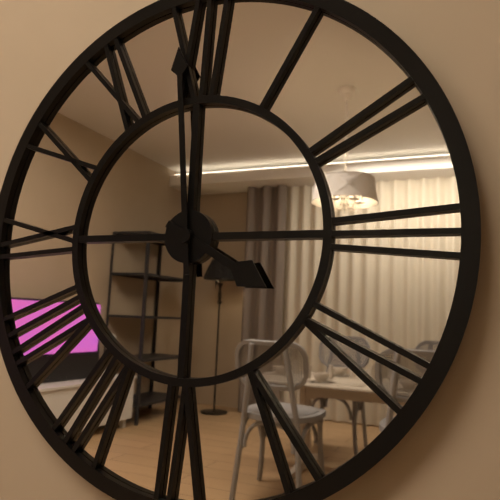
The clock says 3:59
